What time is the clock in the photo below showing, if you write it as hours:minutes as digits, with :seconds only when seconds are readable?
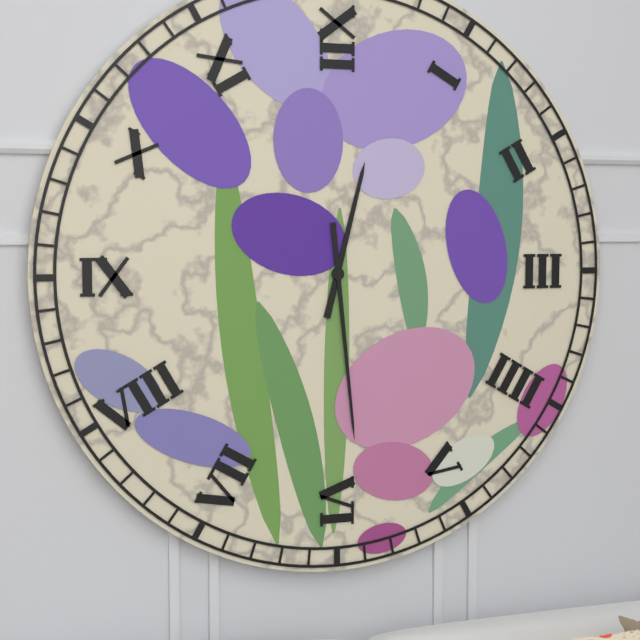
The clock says 12:29
